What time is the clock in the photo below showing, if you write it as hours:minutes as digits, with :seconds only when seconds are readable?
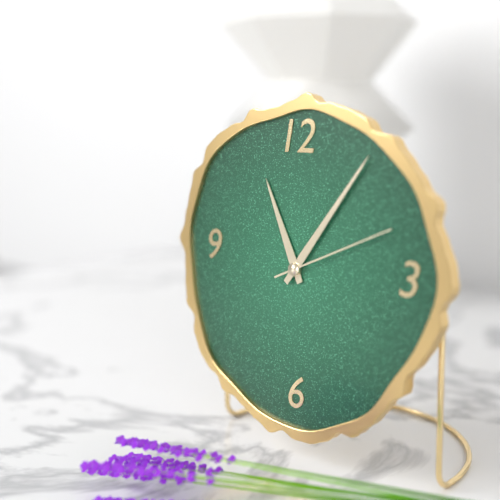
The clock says 11:06:11
